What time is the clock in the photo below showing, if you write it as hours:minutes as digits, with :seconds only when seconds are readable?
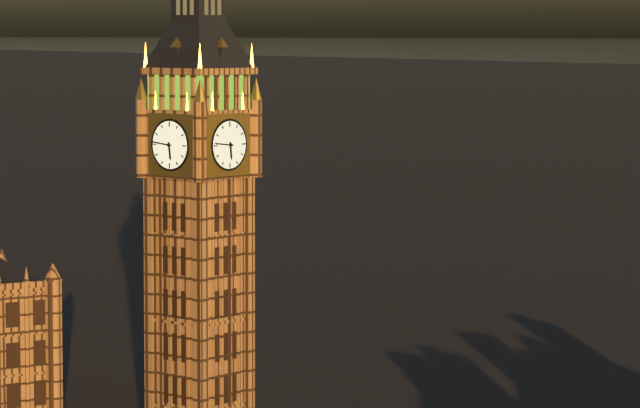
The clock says 5:46
